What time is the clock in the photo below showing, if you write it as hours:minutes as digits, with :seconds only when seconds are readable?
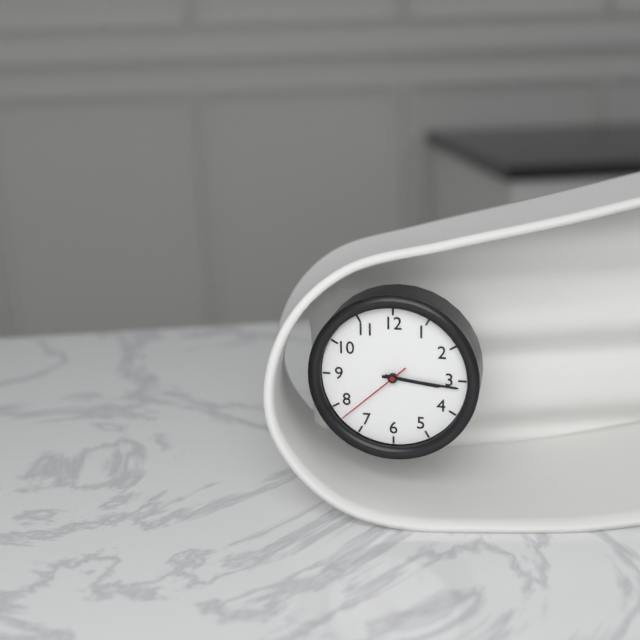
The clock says 3:16:38
